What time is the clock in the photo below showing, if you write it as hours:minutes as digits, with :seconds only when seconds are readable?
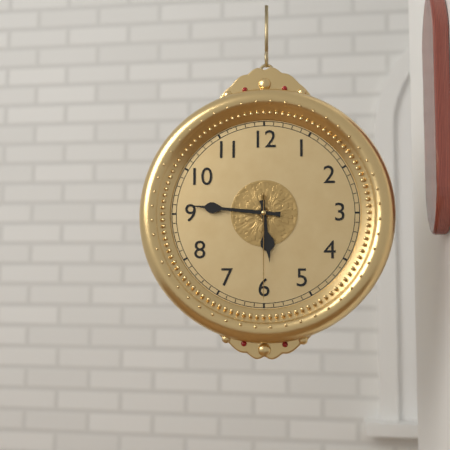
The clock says 5:46:30
